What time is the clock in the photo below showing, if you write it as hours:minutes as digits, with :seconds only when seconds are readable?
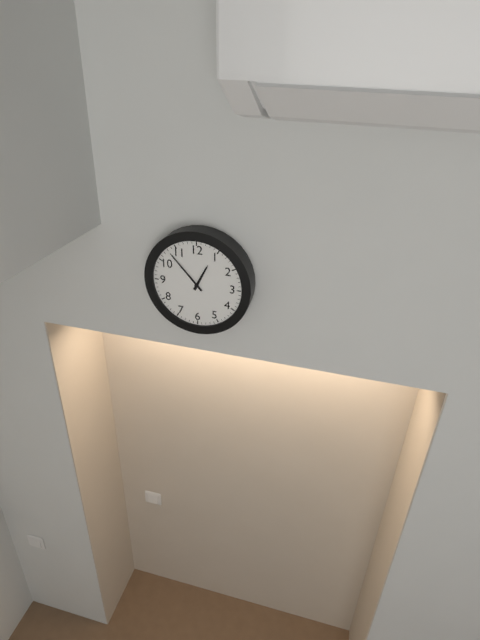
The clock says 12:53
